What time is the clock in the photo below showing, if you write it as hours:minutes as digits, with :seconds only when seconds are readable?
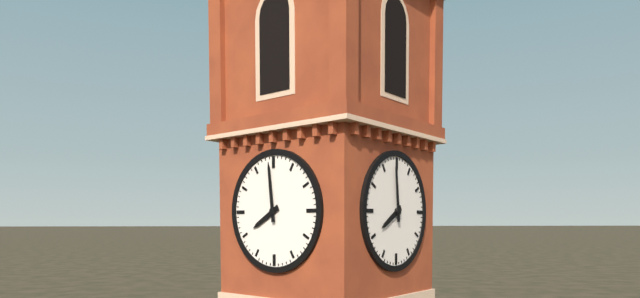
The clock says 7:59
